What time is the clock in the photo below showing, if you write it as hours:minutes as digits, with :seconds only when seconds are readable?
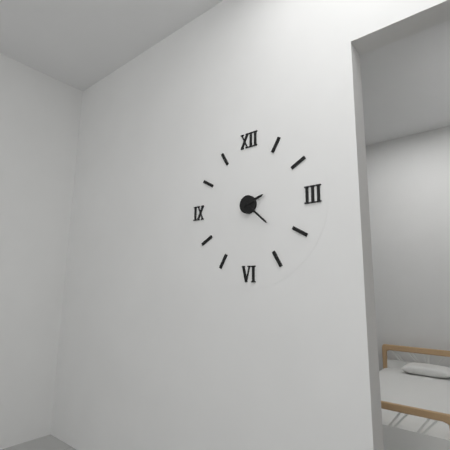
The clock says 2:22
